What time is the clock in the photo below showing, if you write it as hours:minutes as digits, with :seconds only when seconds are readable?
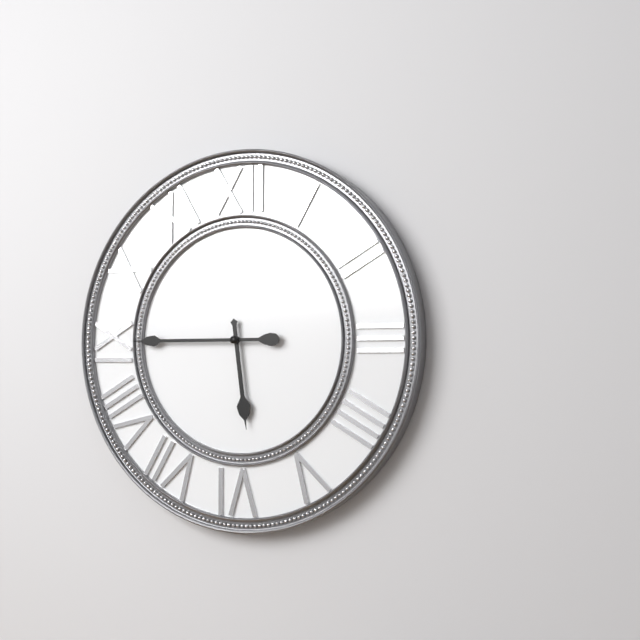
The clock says 5:45
